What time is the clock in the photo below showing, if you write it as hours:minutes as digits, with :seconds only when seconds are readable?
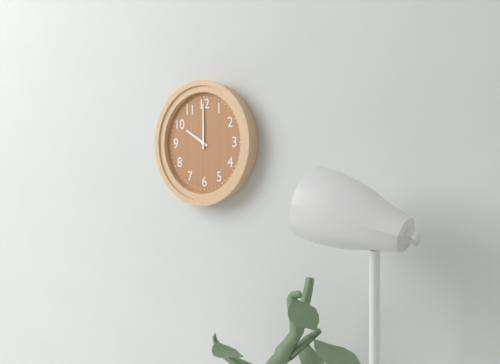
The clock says 10:00
